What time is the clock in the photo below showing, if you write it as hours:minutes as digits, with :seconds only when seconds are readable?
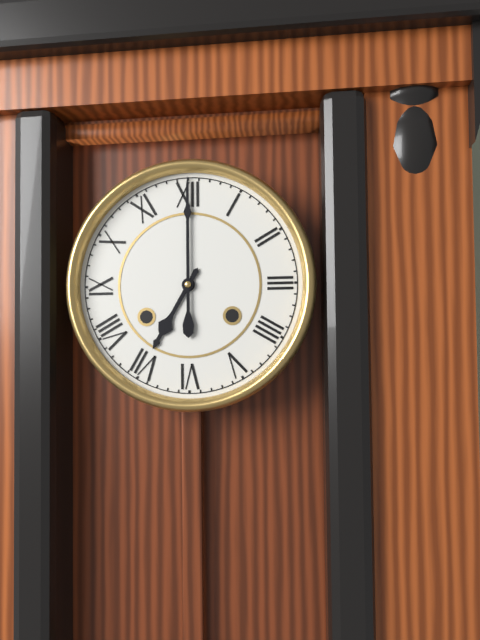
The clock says 7:00
